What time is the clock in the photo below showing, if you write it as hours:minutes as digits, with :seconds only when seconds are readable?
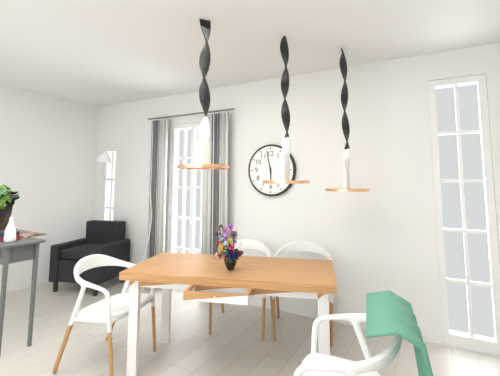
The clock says 5:58
